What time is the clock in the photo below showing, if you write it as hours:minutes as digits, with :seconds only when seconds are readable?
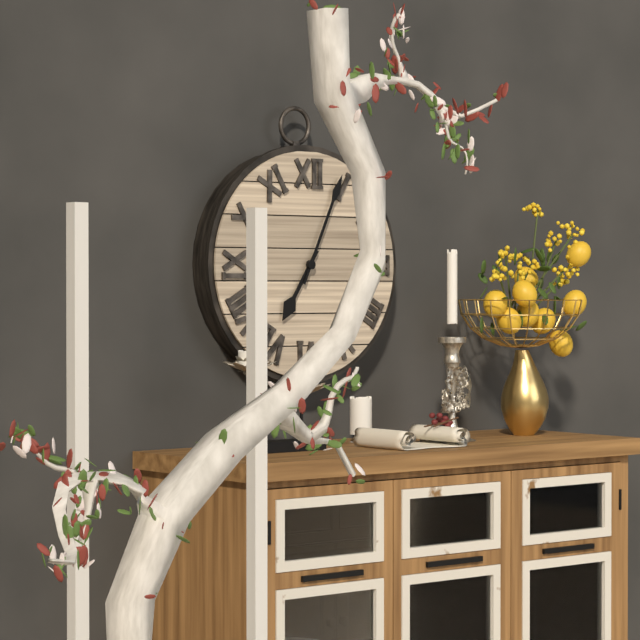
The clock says 7:04
